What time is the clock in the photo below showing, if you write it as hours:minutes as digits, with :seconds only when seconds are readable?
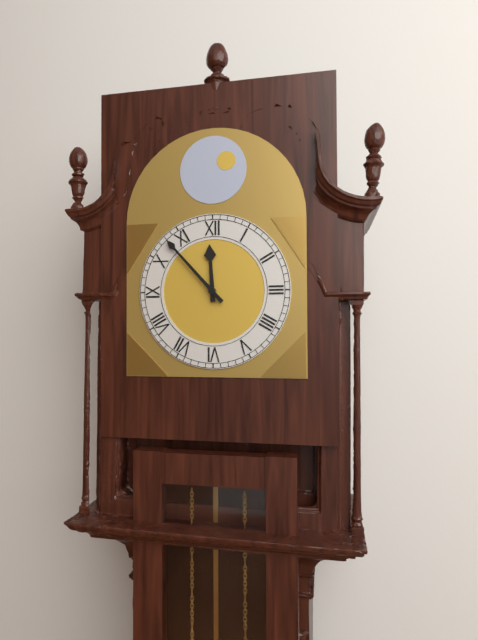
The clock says 11:53
